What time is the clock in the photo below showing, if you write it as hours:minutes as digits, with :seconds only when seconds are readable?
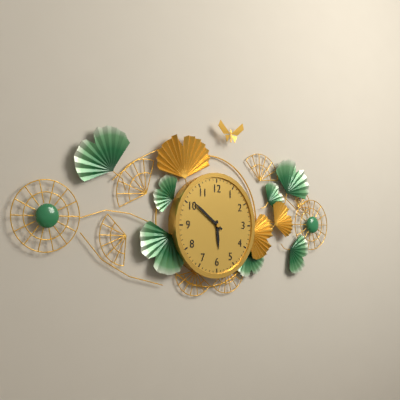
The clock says 5:51
